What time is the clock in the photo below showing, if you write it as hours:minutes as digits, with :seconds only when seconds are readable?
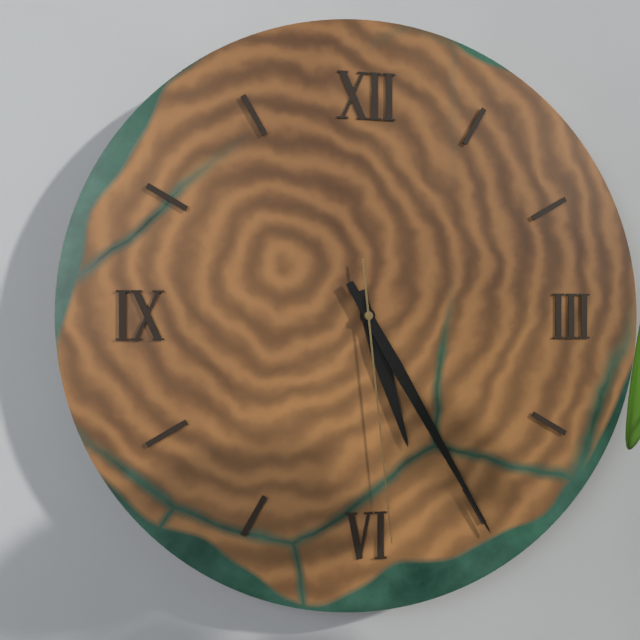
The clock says 5:25:29
